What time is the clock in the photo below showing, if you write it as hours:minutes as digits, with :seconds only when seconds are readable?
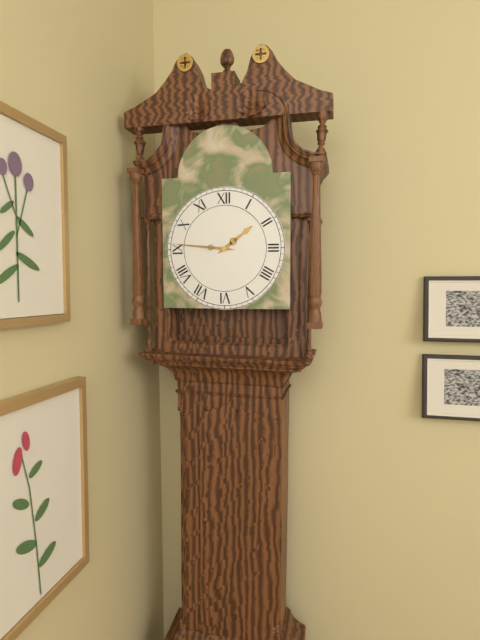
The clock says 1:46
